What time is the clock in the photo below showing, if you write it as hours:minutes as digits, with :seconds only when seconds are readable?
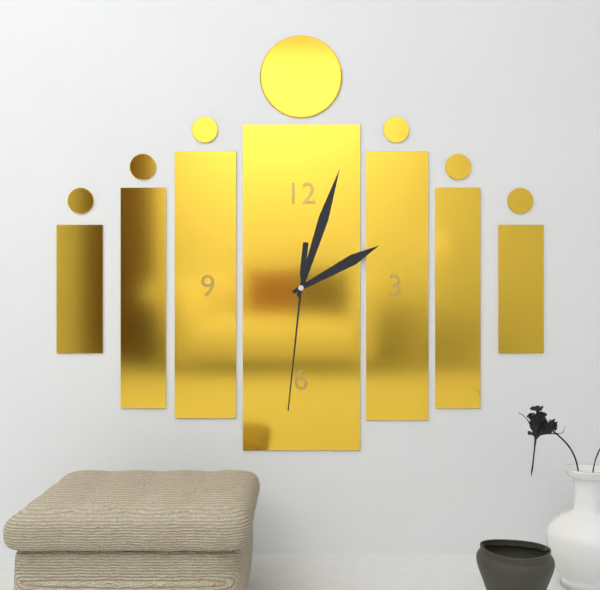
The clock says 2:03:31
